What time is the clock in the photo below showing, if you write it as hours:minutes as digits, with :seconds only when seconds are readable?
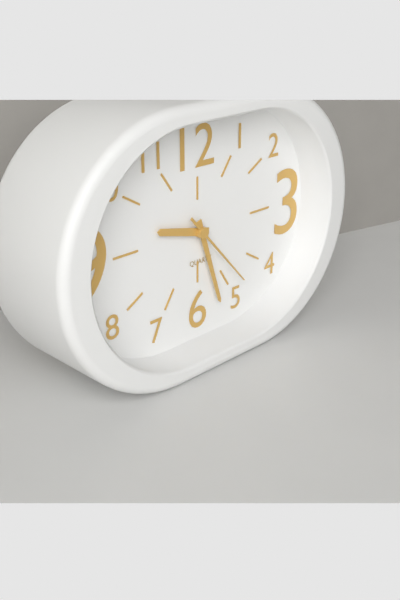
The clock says 9:27:23
